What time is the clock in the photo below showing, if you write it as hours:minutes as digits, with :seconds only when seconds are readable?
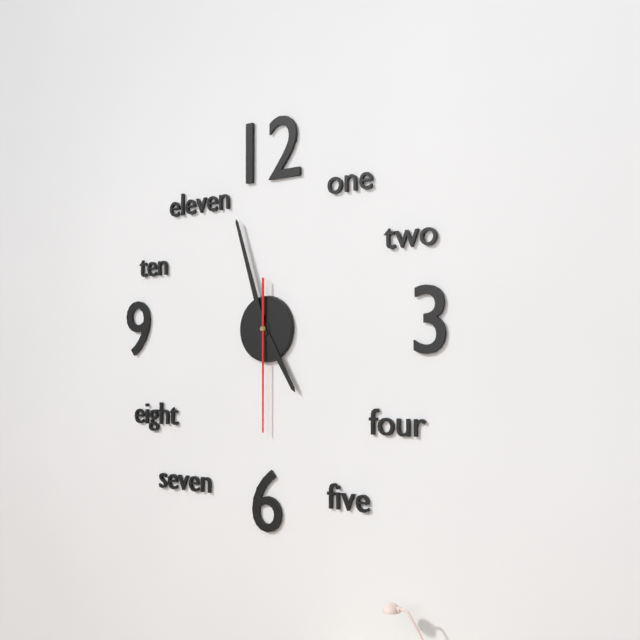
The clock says 4:57:30
